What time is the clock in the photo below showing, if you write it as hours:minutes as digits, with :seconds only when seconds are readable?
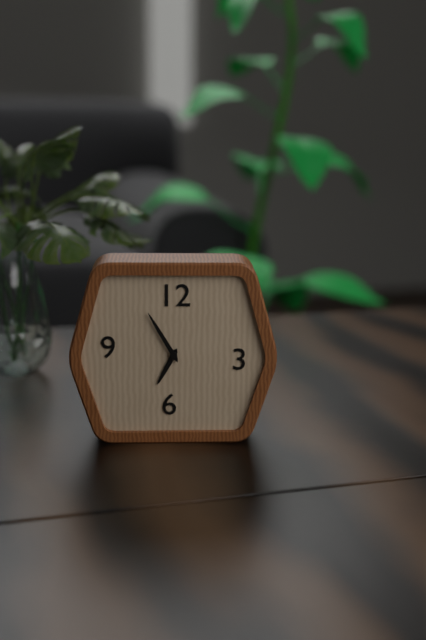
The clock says 6:55
